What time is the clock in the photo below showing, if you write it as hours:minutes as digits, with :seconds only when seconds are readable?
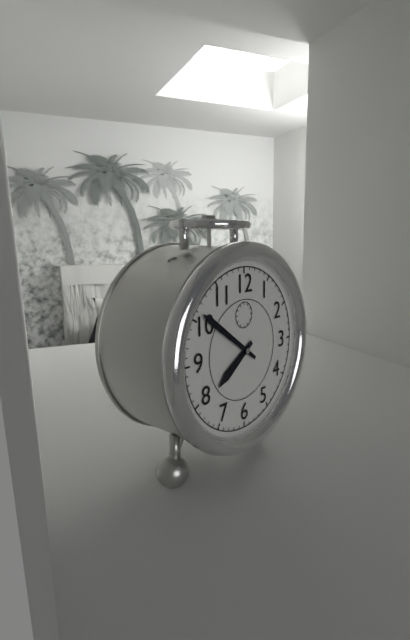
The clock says 7:51
